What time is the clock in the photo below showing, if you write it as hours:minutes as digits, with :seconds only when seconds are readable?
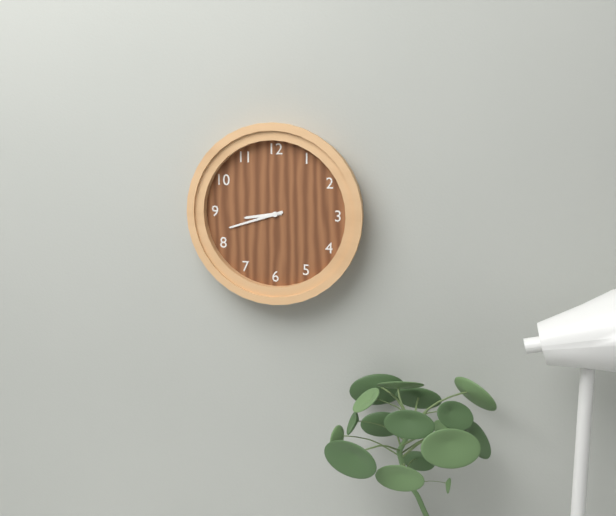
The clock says 8:42
